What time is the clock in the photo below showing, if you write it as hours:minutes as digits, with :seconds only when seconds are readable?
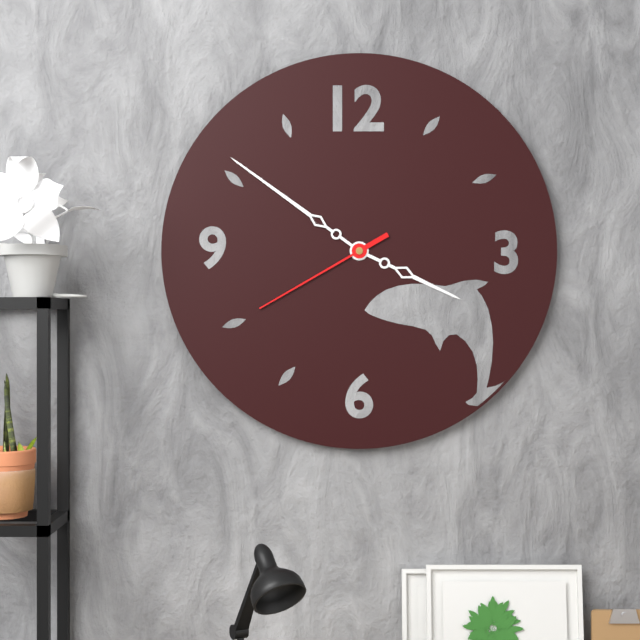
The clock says 3:51:40
